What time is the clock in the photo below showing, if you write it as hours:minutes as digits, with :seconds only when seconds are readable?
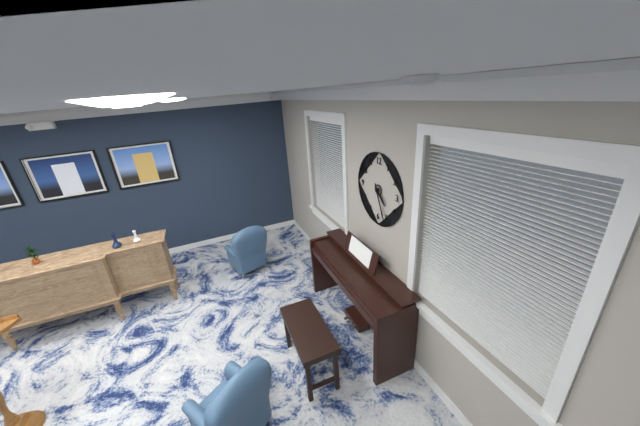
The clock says 4:26
